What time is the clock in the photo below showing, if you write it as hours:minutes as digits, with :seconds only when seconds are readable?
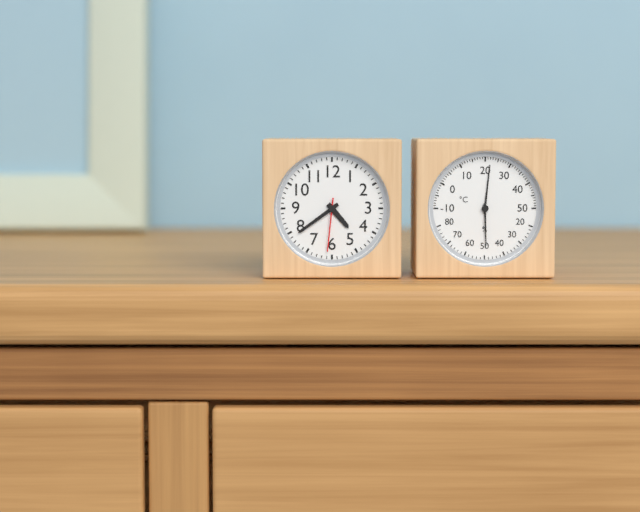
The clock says 4:39:31
